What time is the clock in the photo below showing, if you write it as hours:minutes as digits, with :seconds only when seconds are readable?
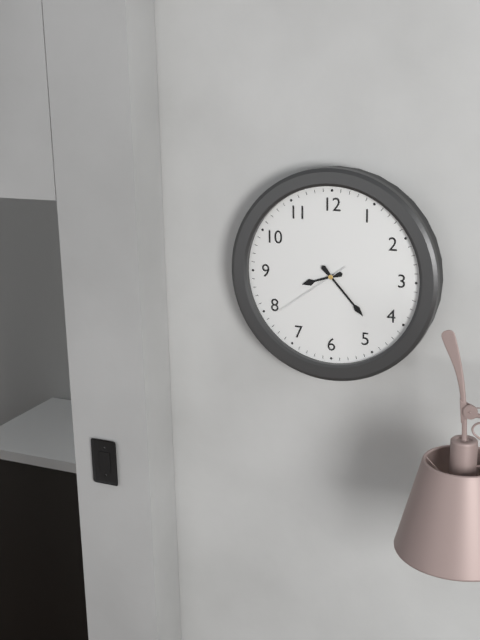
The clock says 8:23:39
